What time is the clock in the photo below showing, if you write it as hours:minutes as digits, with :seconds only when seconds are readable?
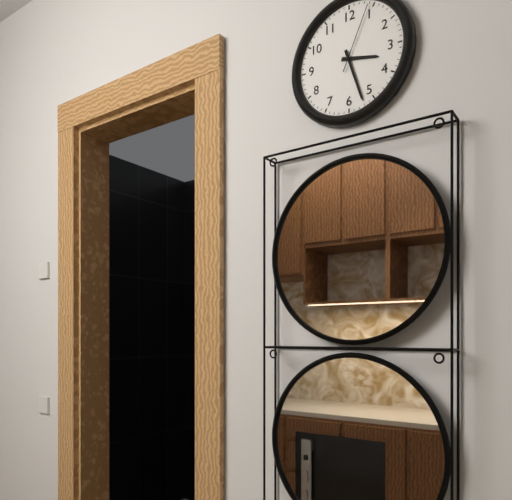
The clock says 3:27:04
